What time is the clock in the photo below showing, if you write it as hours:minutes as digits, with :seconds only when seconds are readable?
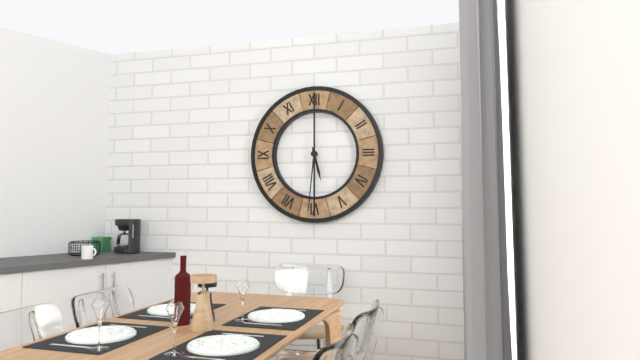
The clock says 5:31
